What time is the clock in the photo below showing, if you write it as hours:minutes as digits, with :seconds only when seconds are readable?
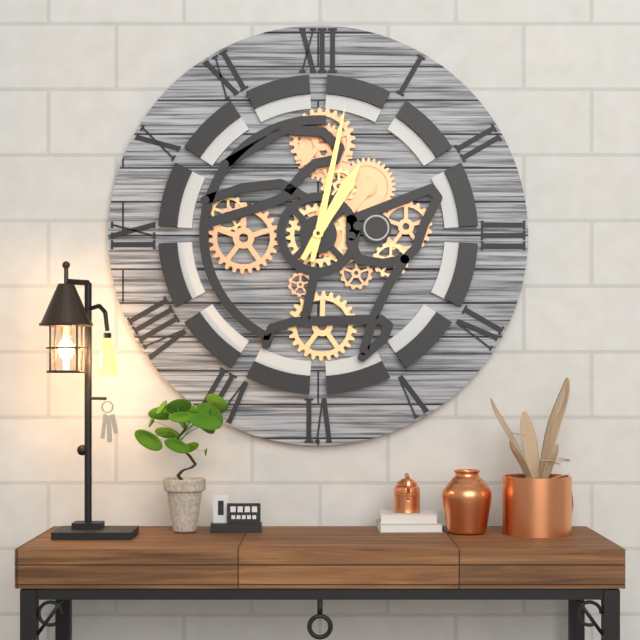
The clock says 1:02
